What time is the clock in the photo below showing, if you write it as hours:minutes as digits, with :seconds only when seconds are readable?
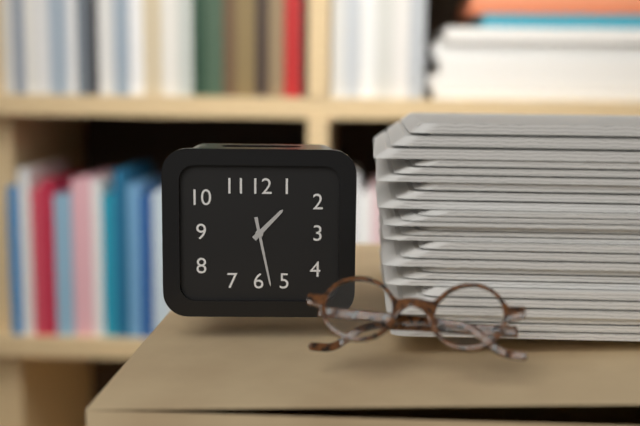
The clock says 1:28
